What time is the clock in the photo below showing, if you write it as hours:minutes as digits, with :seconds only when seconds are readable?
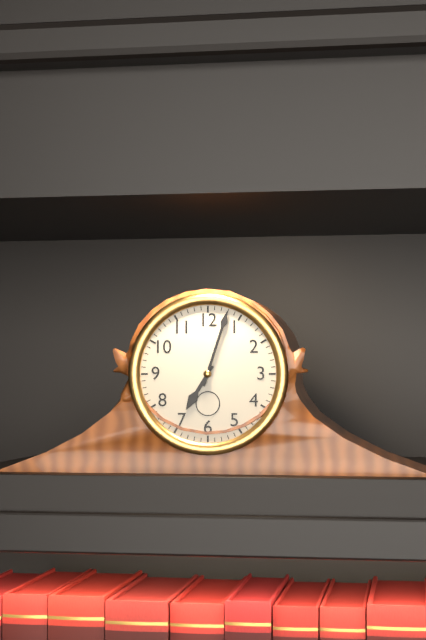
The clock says 7:03
